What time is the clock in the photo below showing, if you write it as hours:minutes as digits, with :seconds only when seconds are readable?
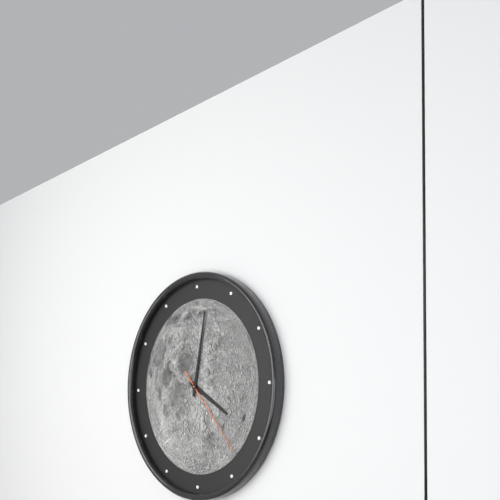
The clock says 4:02:23
